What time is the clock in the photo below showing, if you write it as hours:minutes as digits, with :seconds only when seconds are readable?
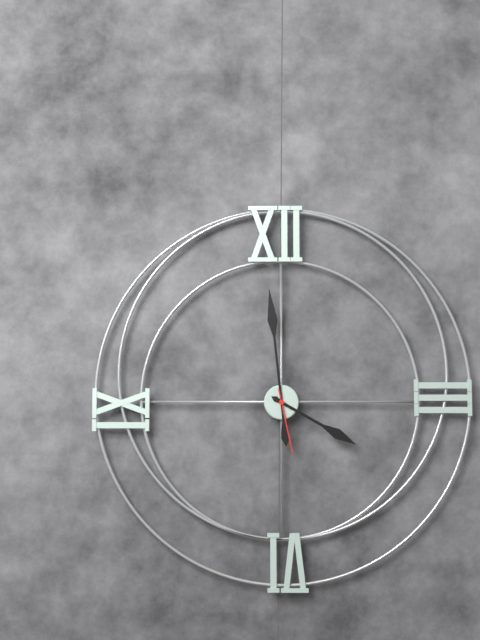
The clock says 3:59:28
